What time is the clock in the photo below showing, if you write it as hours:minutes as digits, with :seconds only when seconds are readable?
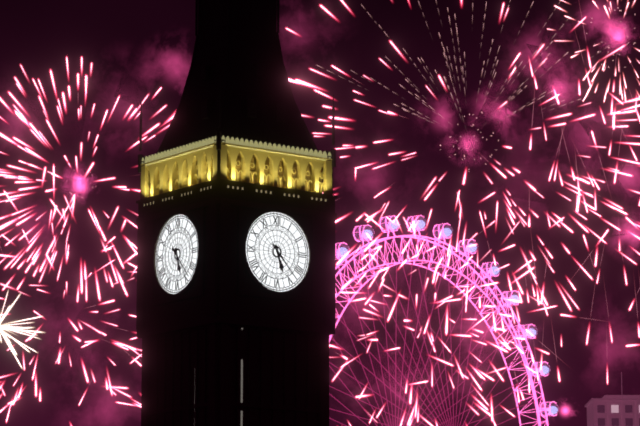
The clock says 5:23
